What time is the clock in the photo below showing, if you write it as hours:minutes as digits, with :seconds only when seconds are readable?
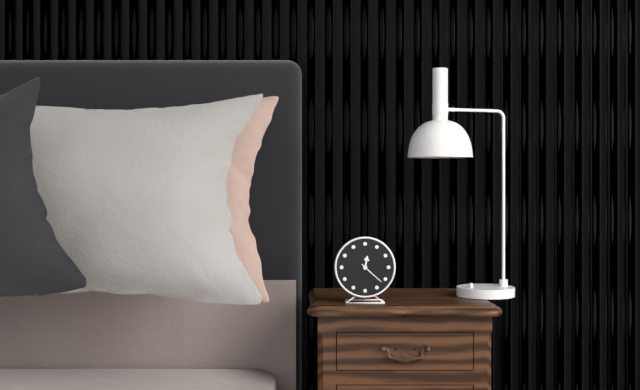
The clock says 12:22
